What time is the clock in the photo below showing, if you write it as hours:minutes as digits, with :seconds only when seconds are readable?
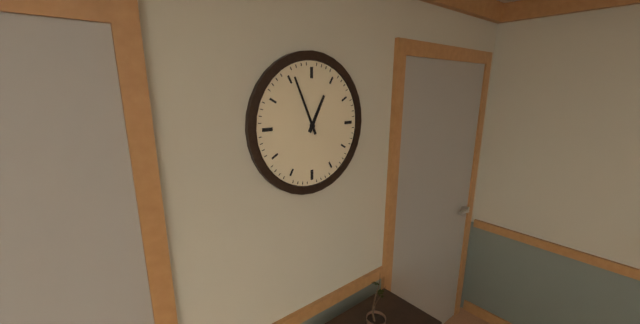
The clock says 12:56
